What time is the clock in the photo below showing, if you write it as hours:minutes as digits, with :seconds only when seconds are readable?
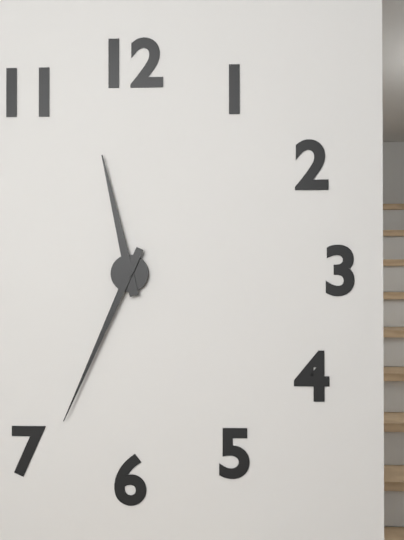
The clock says 11:34
